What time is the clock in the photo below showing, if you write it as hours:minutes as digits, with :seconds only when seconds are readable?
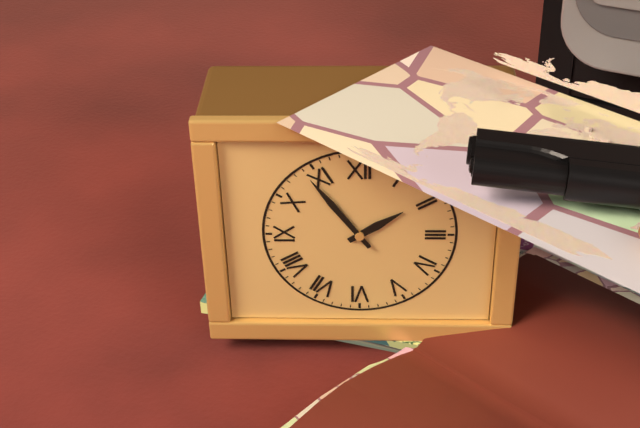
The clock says 1:54
